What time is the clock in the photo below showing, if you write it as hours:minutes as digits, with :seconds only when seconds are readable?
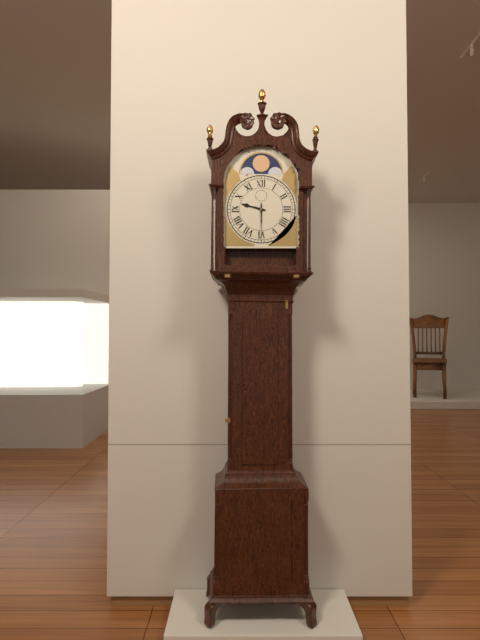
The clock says 9:30
